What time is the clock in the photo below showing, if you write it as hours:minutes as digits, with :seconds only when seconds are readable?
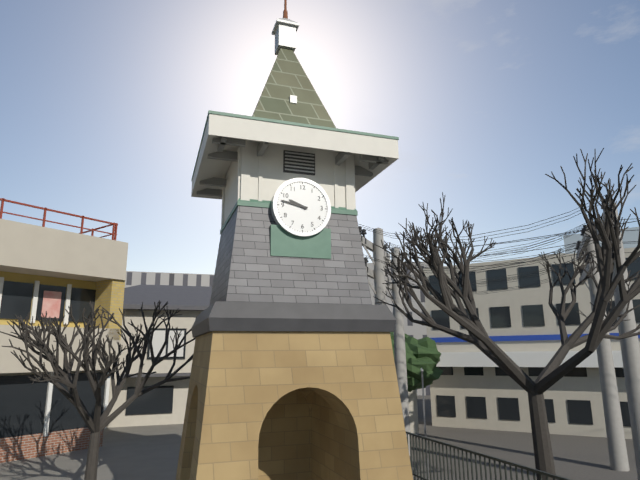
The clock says 9:47
